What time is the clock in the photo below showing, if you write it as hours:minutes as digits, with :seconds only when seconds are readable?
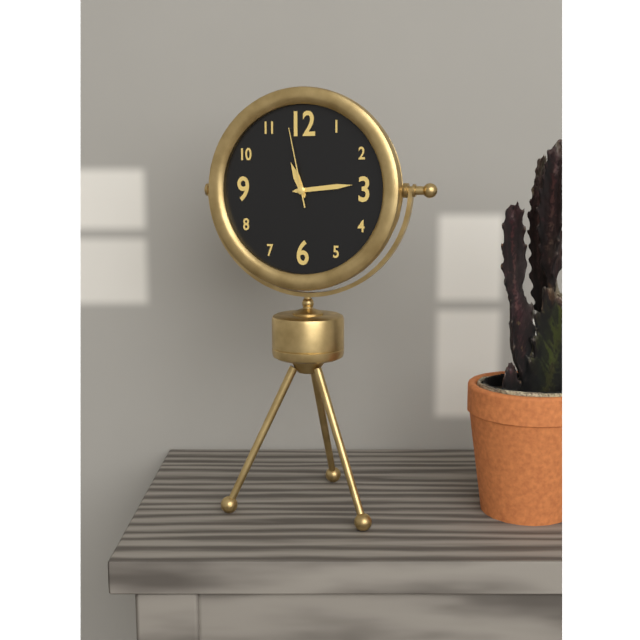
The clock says 11:14:58
